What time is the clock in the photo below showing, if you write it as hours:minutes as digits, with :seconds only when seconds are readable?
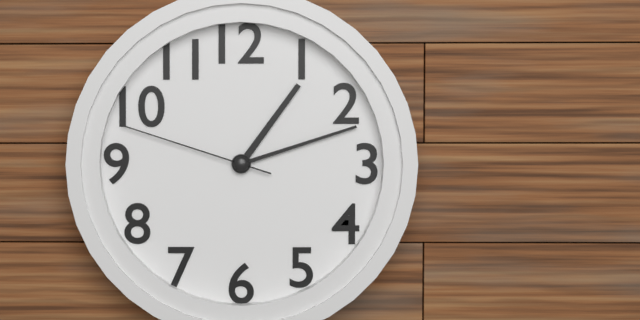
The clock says 1:12:48
